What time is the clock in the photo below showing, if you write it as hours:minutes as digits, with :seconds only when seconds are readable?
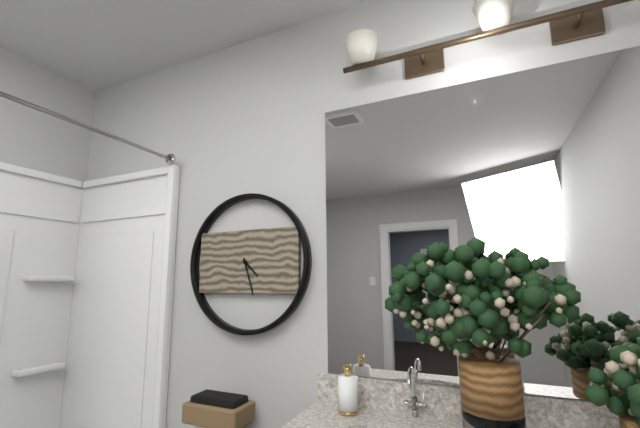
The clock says 4:27
